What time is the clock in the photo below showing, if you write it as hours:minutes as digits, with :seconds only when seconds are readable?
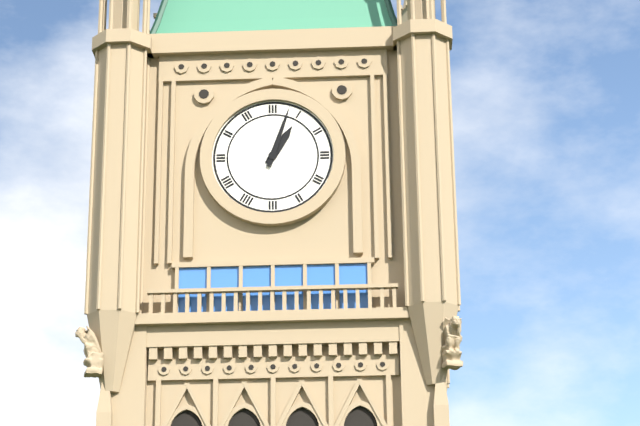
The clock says 1:03
